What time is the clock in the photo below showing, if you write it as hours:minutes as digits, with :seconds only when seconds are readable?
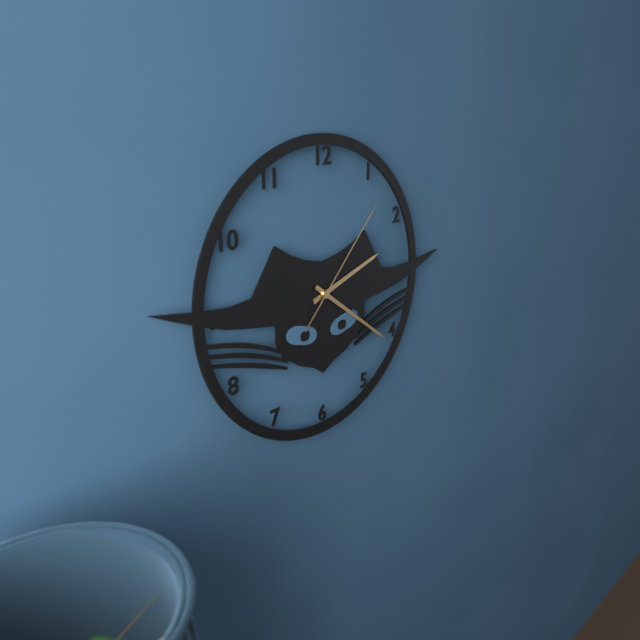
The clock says 2:21:07
